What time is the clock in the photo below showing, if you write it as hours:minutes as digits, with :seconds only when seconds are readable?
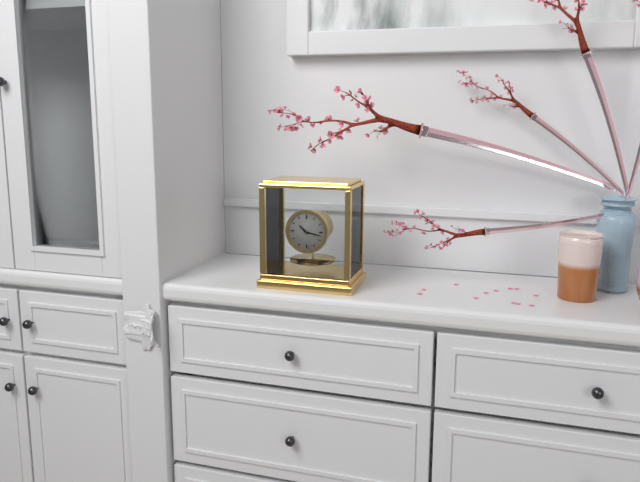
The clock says 10:17
